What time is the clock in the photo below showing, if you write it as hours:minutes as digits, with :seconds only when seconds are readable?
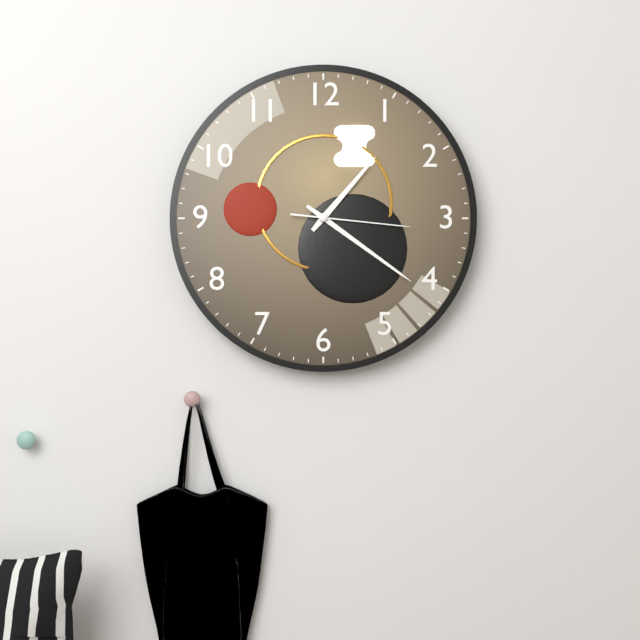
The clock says 1:21:16
